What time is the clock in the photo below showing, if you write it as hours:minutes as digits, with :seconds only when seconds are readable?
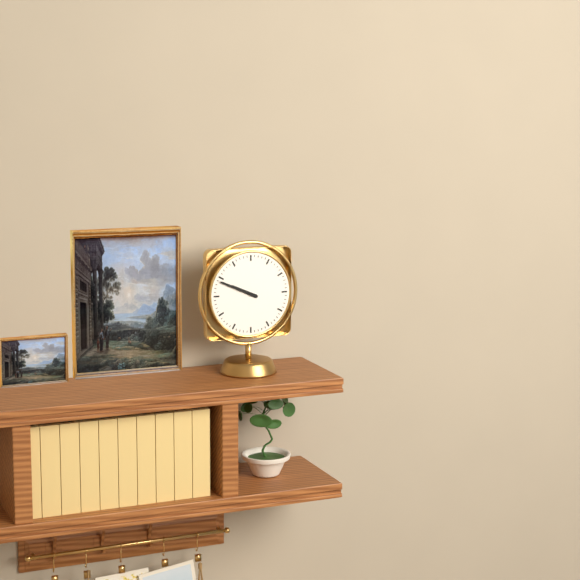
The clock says 9:49
